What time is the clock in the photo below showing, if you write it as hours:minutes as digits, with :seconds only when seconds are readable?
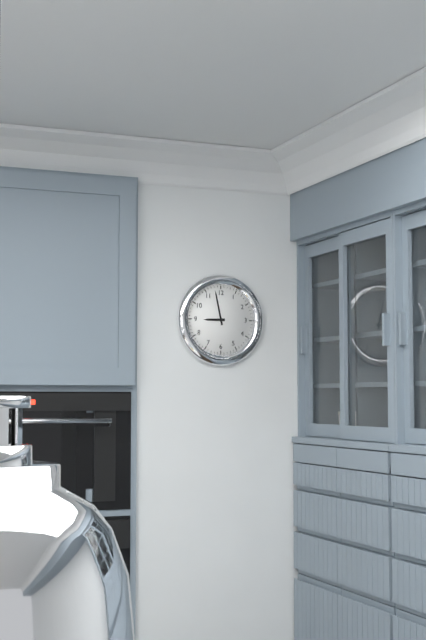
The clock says 8:58
